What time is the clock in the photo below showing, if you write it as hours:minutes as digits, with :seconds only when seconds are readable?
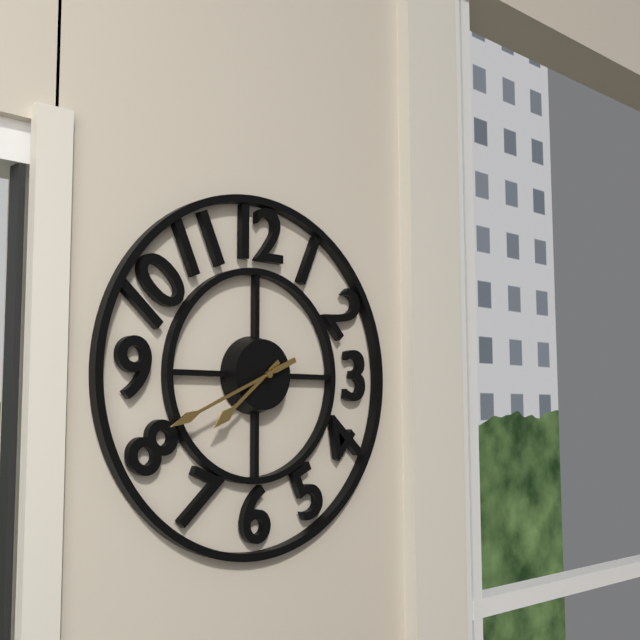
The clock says 7:41
